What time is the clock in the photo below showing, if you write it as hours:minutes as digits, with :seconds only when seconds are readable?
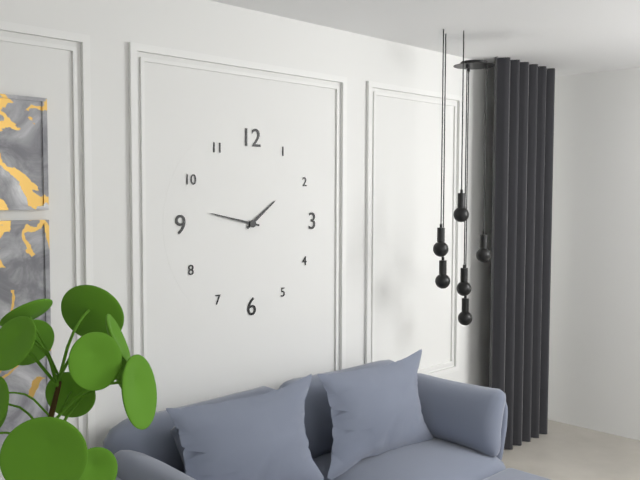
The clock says 1:47
